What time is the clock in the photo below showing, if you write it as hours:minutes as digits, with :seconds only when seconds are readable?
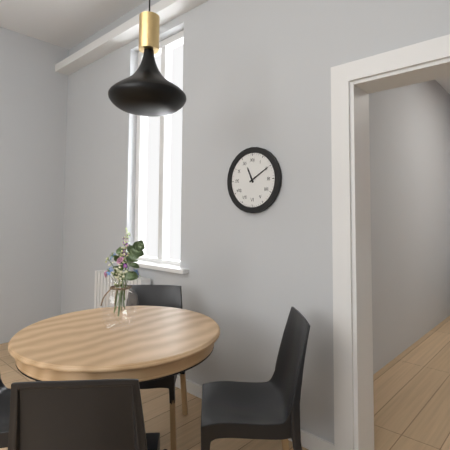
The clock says 11:10
